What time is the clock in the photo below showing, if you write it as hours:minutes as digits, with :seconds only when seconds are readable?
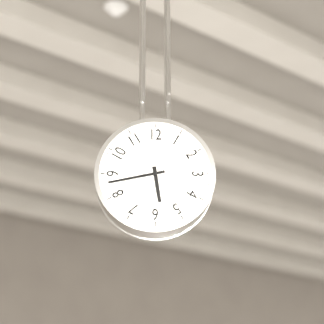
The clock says 5:43
